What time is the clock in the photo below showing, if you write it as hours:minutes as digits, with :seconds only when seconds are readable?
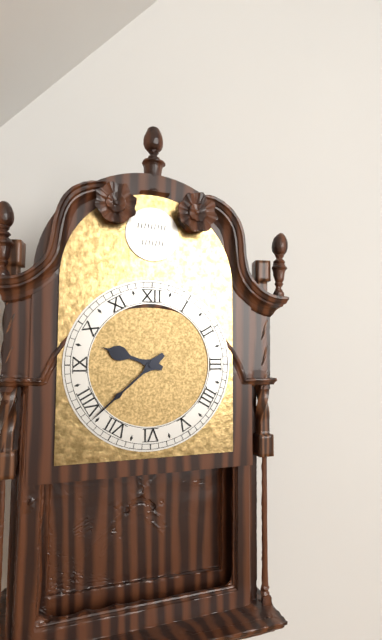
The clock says 9:38
